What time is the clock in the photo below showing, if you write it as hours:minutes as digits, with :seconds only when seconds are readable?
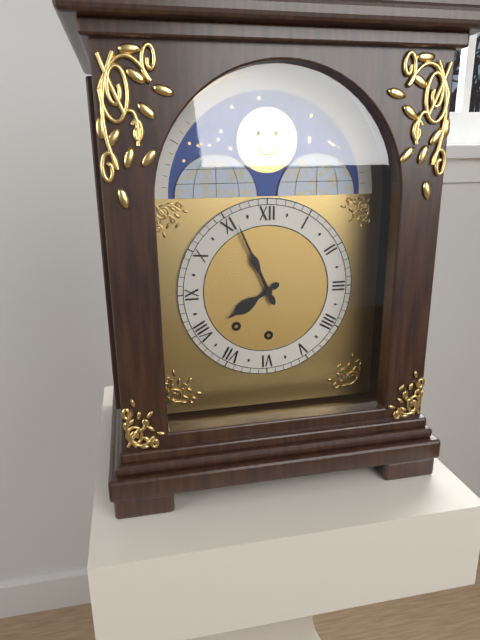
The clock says 7:56
